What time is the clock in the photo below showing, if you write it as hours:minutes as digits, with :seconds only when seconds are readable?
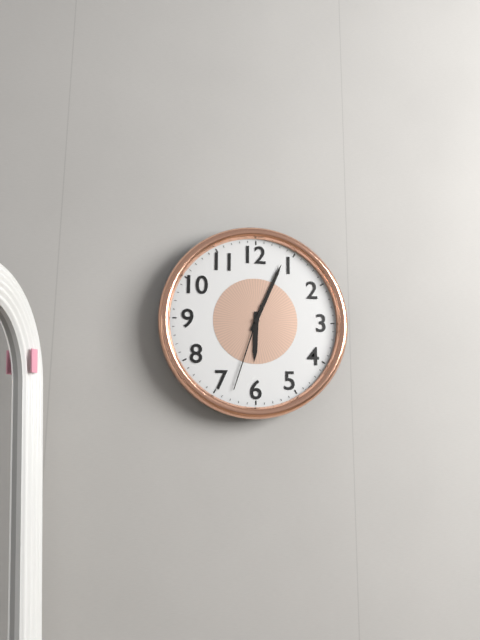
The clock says 6:04:33
